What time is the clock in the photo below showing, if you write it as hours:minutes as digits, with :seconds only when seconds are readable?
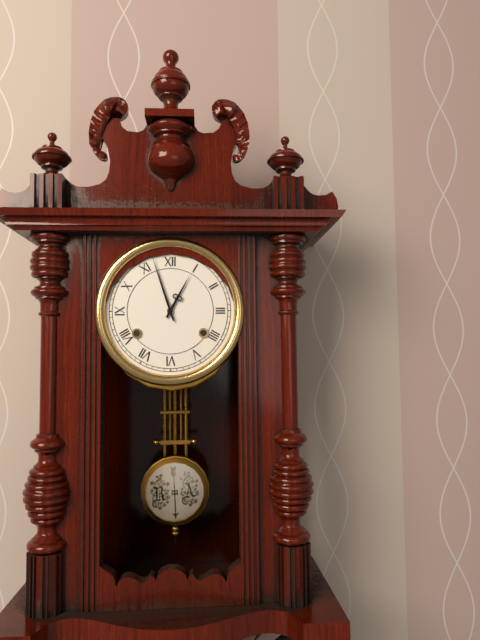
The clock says 12:57
